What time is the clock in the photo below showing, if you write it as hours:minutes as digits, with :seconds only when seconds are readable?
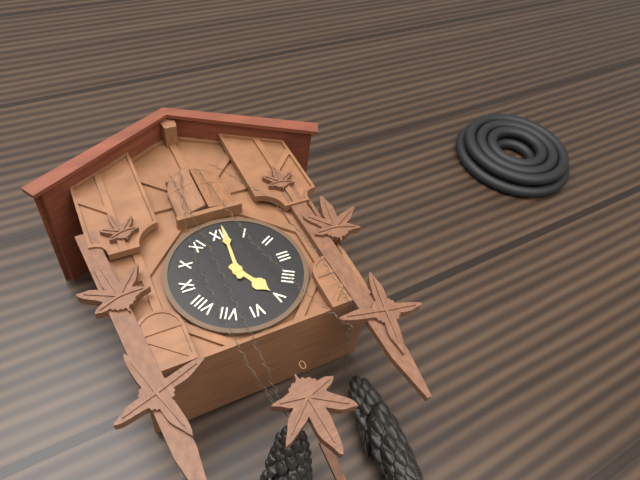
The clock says 5:01
